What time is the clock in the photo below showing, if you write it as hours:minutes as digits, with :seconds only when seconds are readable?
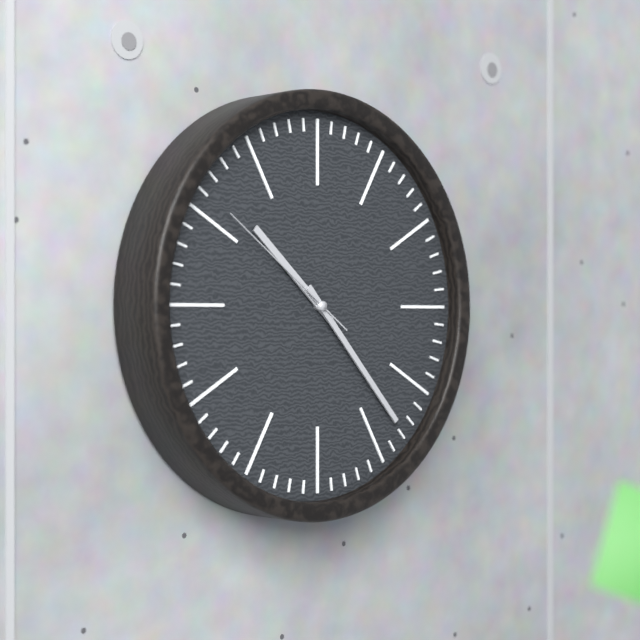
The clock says 10:23:51
